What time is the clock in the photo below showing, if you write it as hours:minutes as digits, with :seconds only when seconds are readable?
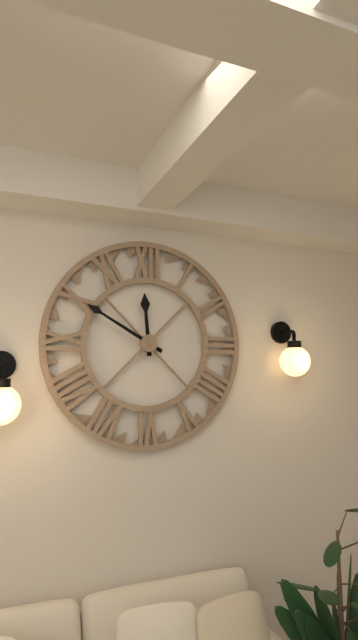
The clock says 11:50
